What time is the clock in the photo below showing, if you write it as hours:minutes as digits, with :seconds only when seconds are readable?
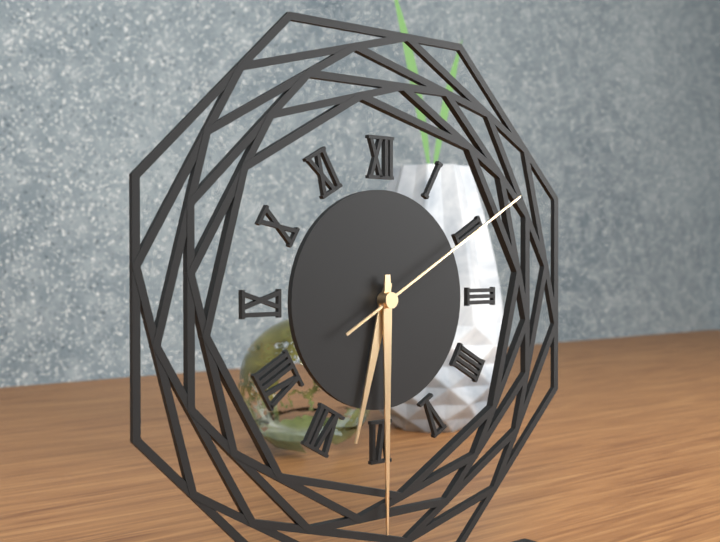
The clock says 6:30:10
